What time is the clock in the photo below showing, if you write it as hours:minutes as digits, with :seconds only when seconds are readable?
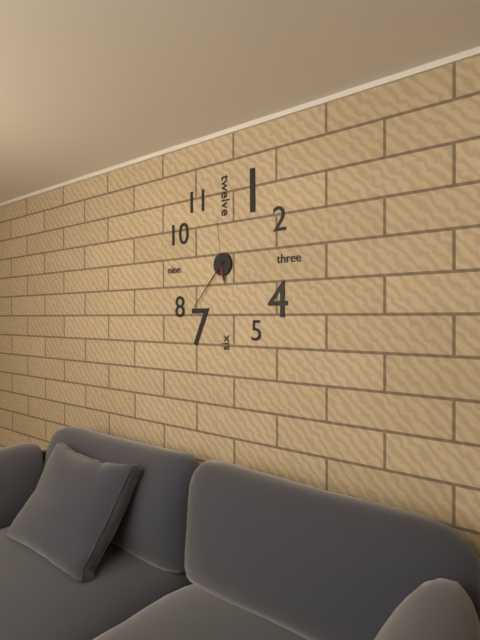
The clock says 5:37:59
